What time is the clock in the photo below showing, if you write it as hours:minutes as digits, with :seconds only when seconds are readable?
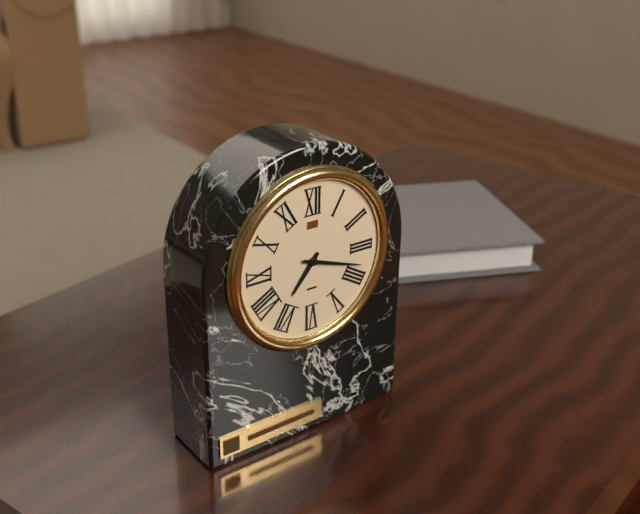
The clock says 7:18
